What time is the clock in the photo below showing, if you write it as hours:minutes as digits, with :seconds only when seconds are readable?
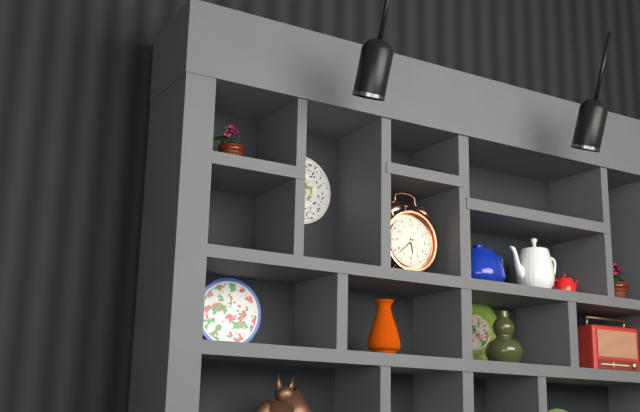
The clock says 5:38
